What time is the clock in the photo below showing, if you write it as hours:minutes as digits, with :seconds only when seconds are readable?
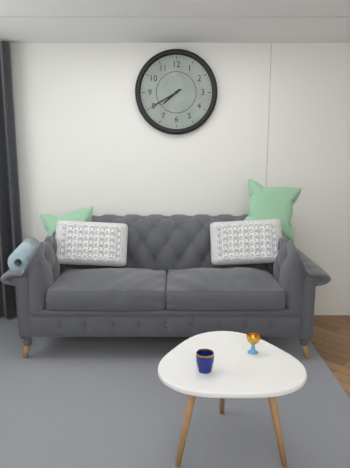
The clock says 7:40
